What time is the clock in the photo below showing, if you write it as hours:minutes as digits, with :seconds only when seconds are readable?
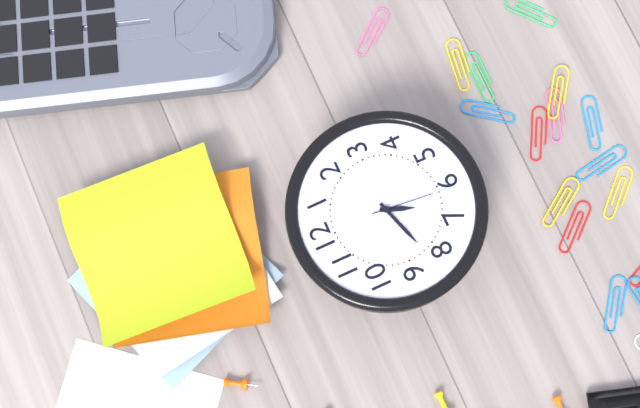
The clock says 6:42:31
